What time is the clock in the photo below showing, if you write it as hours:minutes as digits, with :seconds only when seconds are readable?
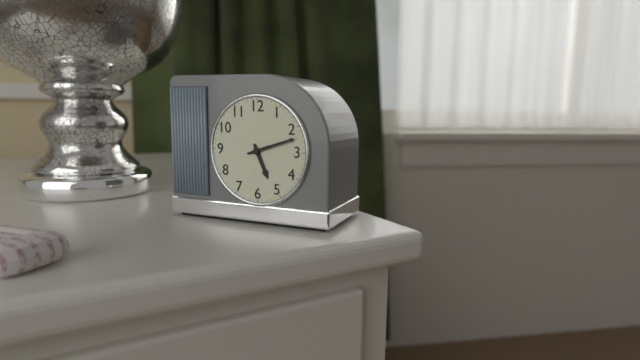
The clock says 5:12
